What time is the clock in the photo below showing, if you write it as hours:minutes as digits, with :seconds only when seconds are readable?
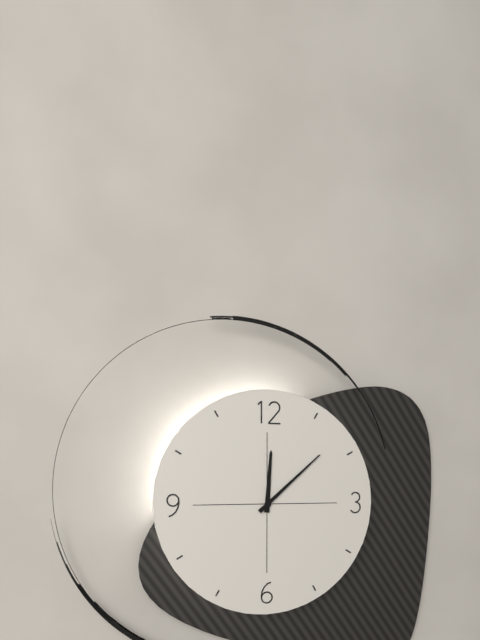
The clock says 12:08
